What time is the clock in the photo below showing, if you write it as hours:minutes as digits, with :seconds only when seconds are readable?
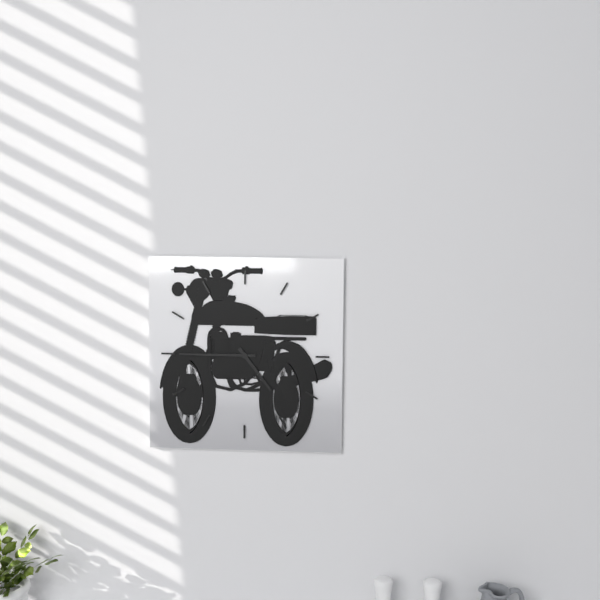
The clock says 4:45
